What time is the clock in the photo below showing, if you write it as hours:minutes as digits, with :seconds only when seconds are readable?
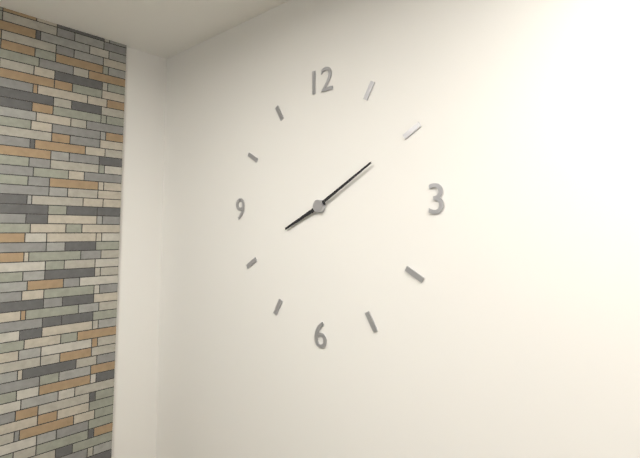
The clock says 8:10
